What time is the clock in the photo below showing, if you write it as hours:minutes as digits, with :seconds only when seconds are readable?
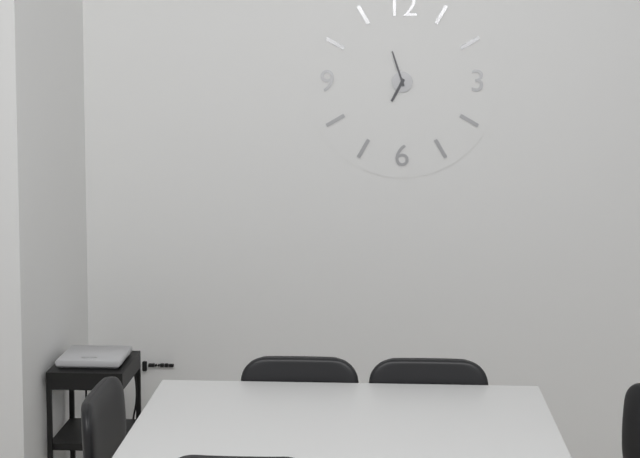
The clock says 6:57
